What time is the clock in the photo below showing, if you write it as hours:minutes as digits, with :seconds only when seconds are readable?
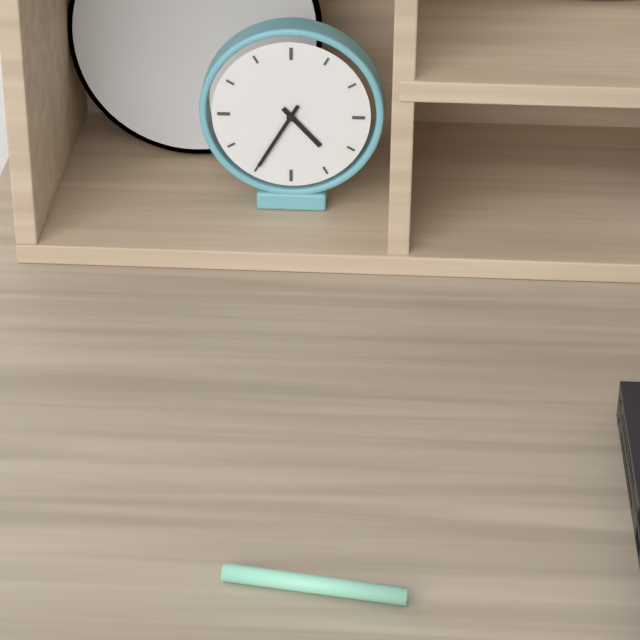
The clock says 4:35
